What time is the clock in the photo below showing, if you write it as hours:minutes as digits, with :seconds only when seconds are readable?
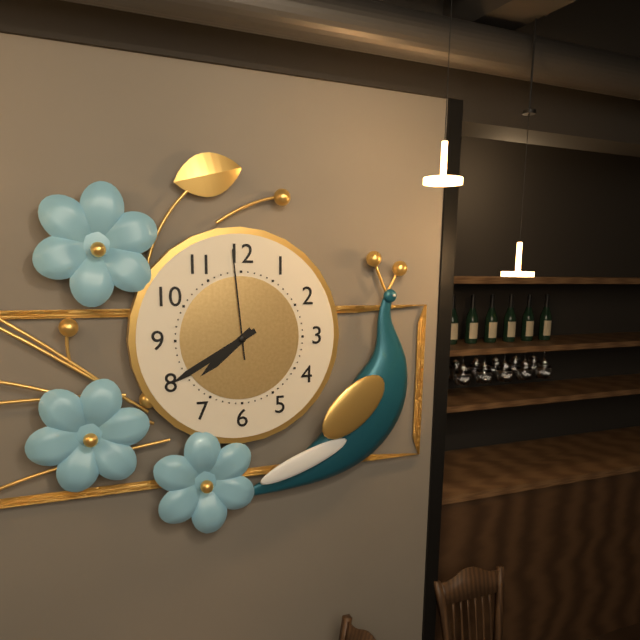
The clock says 7:40:59
